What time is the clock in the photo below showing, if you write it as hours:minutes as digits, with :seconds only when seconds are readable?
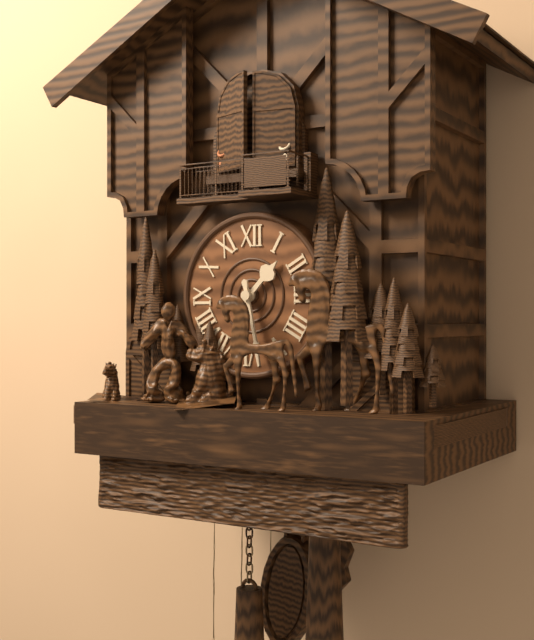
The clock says 1:28
